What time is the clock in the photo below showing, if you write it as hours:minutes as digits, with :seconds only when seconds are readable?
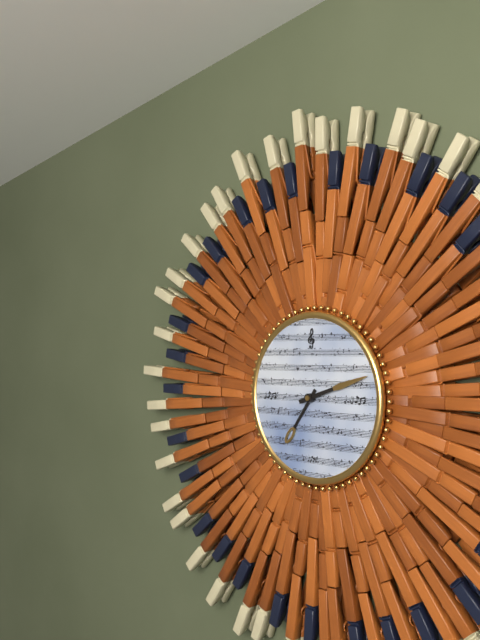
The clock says 7:12
